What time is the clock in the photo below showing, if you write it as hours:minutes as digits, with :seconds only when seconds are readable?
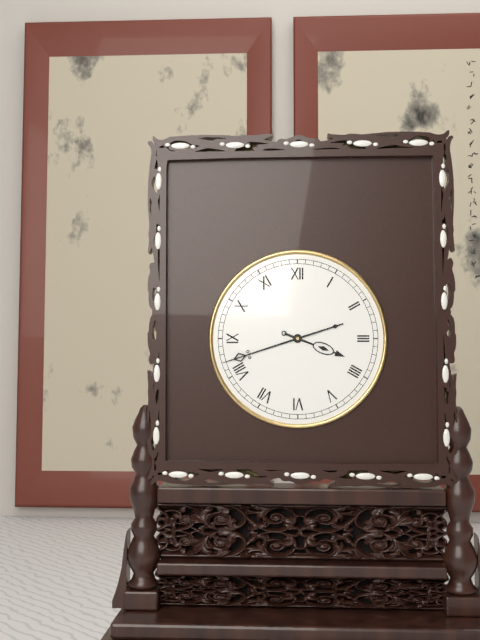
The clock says 3:42
